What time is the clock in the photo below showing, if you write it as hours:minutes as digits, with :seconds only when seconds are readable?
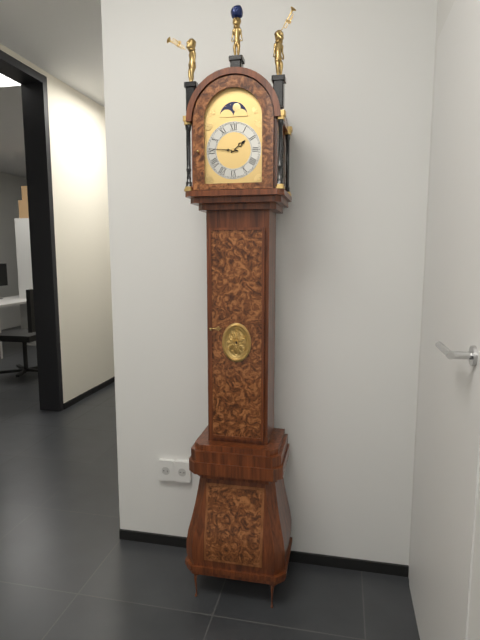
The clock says 1:46
